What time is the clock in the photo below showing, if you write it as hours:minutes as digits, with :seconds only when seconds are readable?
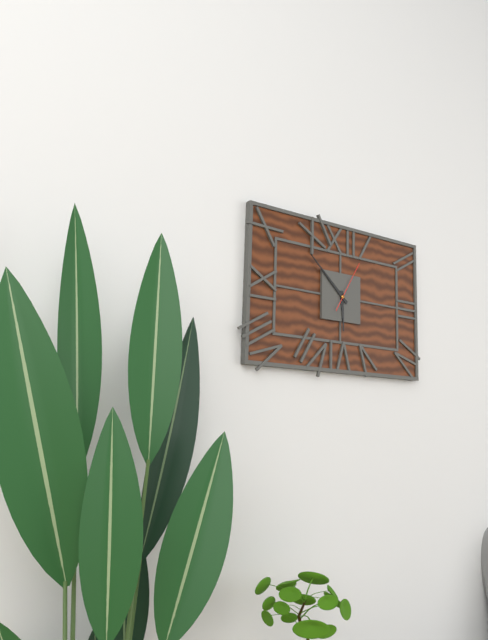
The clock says 5:52:05
